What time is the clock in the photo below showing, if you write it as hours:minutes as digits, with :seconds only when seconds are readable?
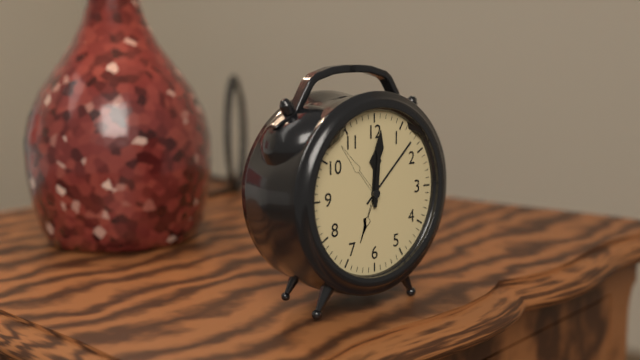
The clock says 12:01
